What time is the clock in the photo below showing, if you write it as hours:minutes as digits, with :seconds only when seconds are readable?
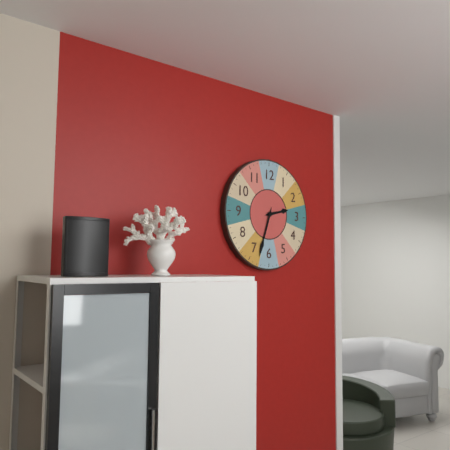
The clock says 2:33
